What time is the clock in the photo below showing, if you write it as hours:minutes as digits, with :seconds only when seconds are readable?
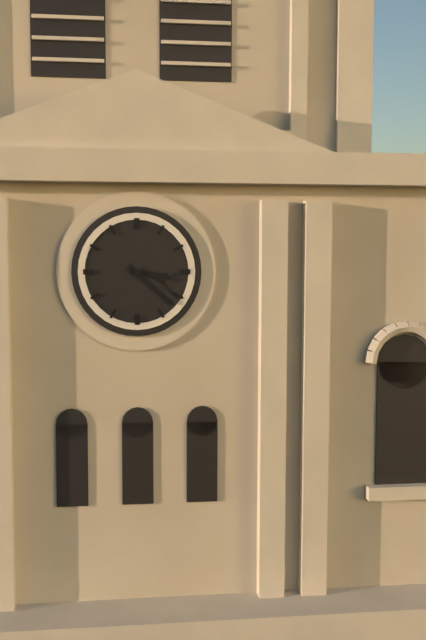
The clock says 3:22
